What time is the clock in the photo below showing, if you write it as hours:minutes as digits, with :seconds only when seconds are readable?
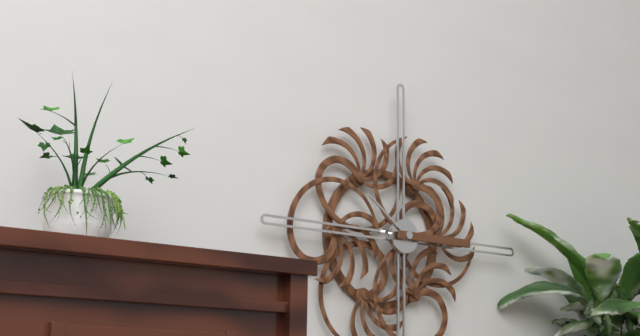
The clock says 10:15
